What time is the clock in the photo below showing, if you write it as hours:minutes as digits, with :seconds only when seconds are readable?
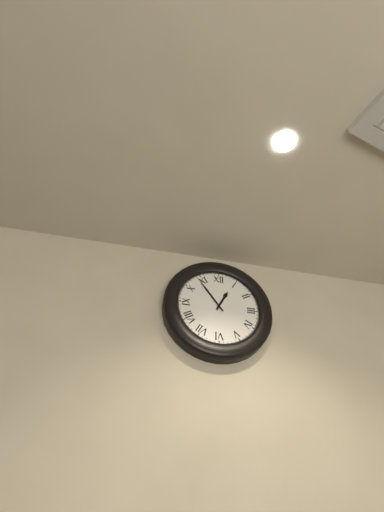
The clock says 12:54
